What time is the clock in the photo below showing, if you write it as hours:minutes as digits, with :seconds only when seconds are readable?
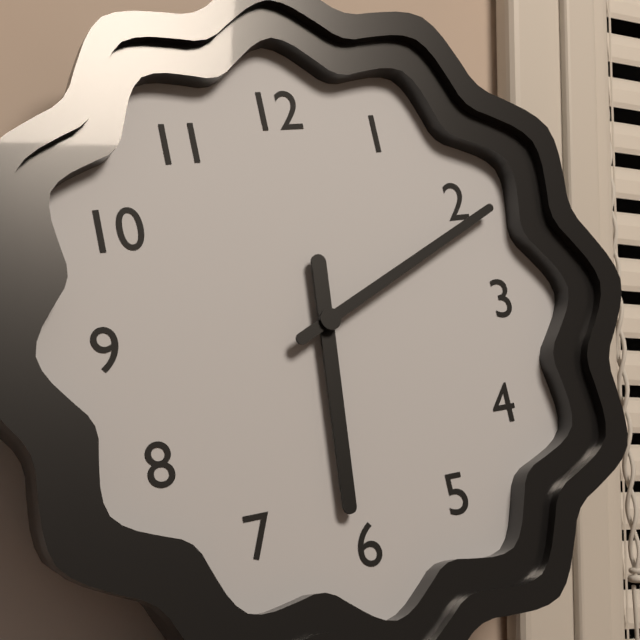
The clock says 6:11
